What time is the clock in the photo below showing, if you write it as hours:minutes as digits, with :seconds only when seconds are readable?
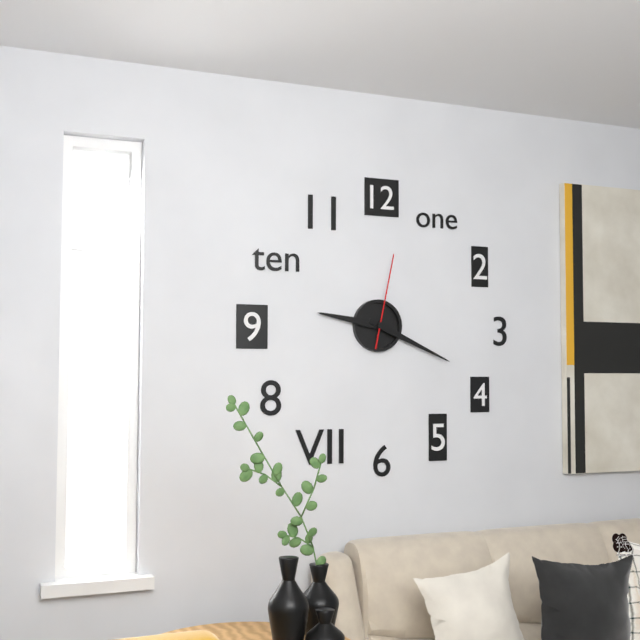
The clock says 9:19:02
